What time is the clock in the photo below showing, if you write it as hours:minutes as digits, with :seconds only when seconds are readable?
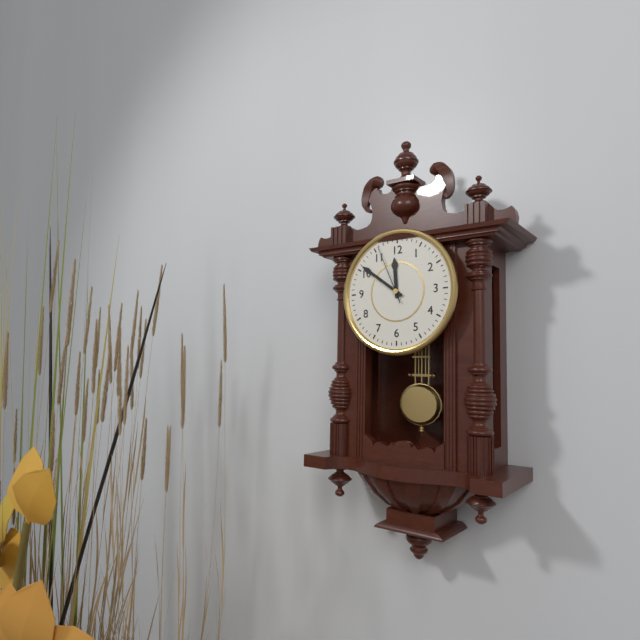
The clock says 11:51:56
